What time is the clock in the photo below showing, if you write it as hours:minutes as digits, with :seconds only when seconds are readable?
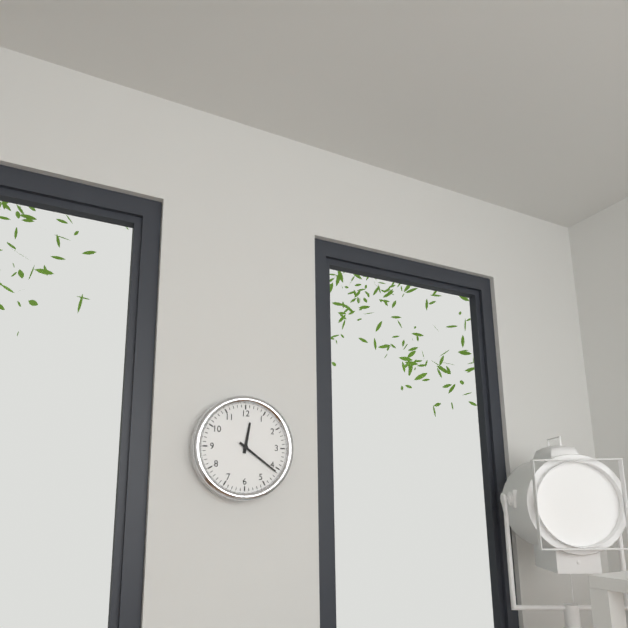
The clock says 12:21
